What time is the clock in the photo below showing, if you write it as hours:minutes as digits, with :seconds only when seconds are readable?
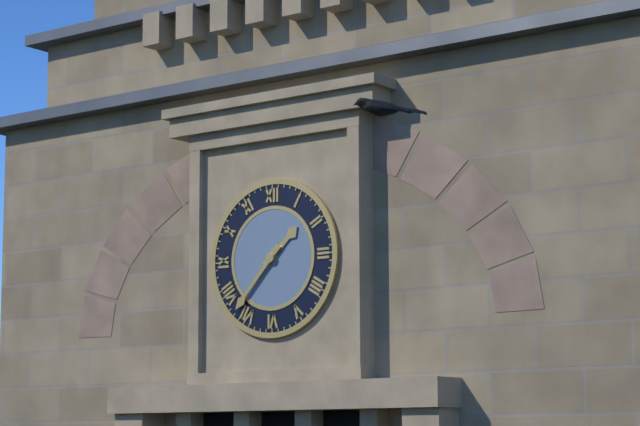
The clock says 1:37
